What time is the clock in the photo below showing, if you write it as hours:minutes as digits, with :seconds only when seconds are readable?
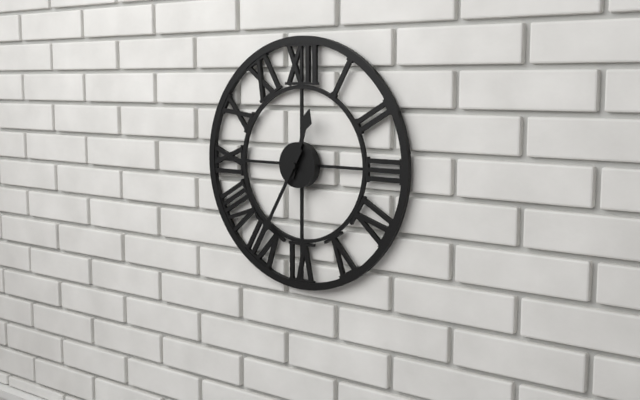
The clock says 12:35
